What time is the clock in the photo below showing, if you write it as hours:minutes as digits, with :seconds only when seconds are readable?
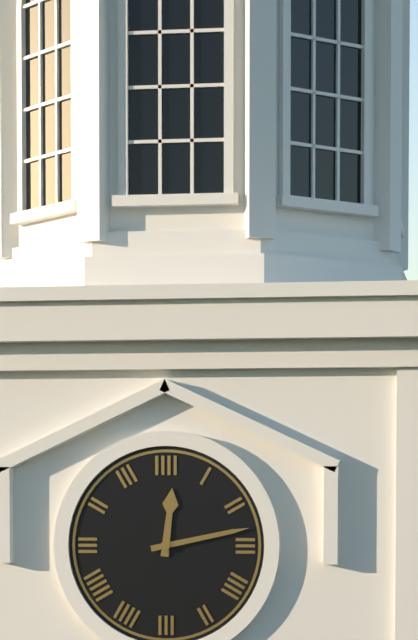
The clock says 12:13
